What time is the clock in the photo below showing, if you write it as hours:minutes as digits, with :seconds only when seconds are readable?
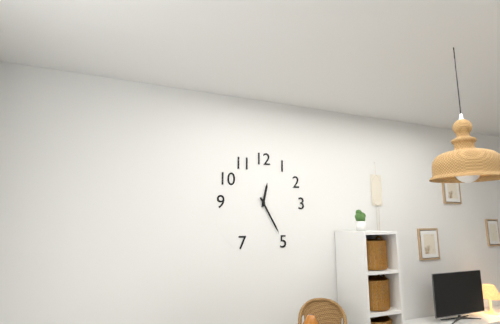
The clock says 12:25
